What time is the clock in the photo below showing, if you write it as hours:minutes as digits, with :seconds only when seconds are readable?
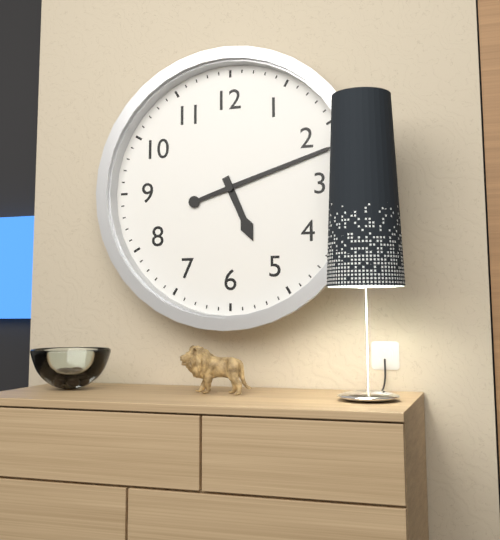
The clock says 5:12
